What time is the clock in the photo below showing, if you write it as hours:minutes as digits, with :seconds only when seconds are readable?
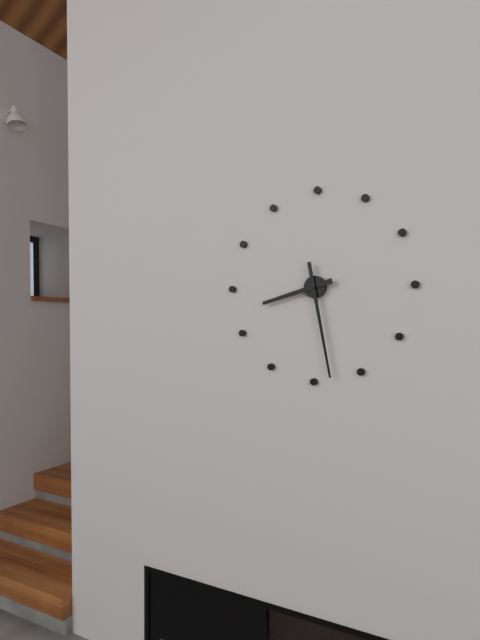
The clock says 8:28
